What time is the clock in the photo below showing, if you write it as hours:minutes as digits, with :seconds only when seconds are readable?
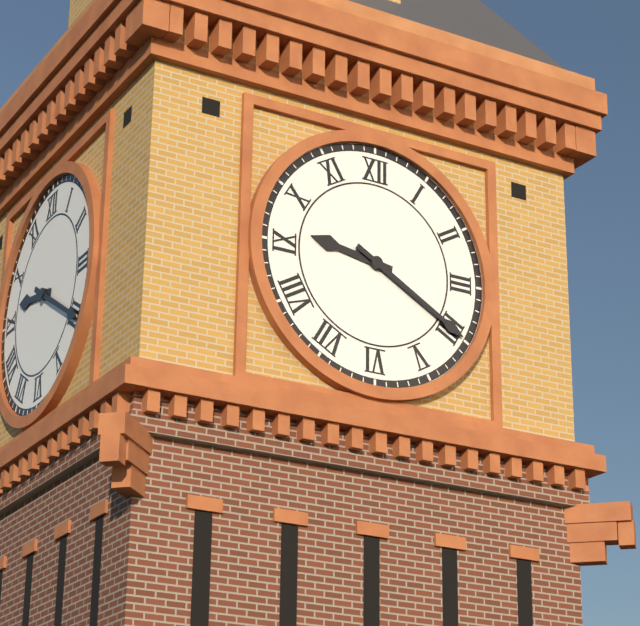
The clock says 9:20
